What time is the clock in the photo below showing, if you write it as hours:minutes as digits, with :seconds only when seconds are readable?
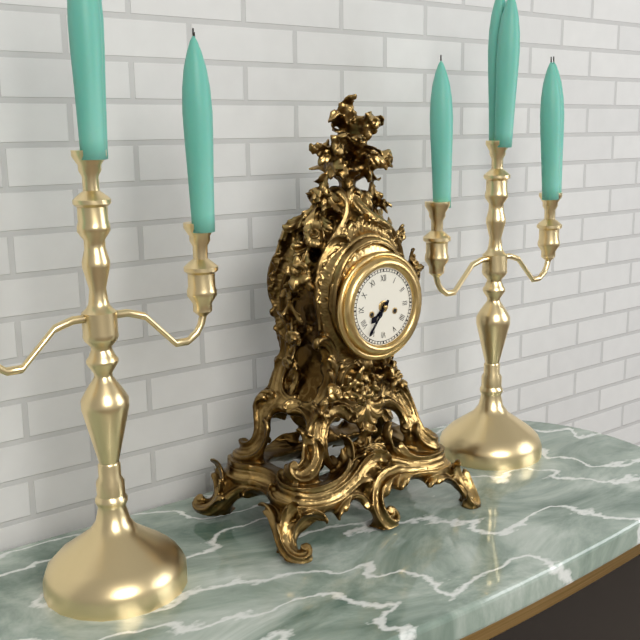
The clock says 7:36
